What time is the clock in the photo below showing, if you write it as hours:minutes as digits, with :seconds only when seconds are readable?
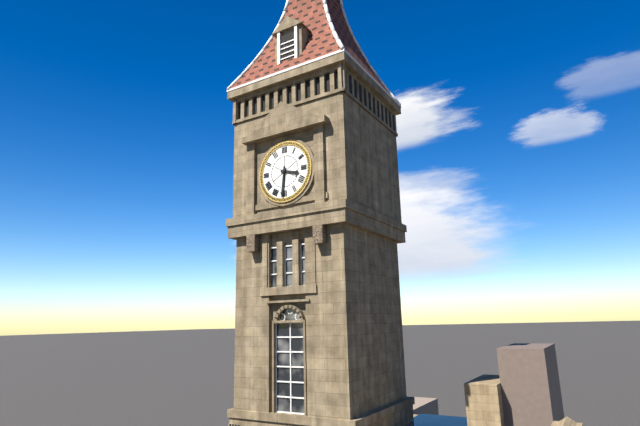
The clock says 3:31
